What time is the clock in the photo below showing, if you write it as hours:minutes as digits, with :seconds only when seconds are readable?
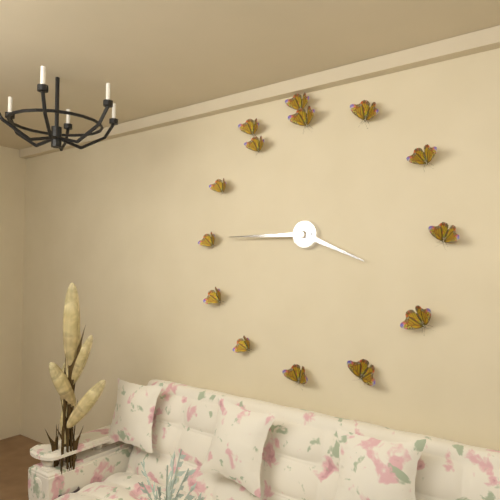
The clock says 3:45
